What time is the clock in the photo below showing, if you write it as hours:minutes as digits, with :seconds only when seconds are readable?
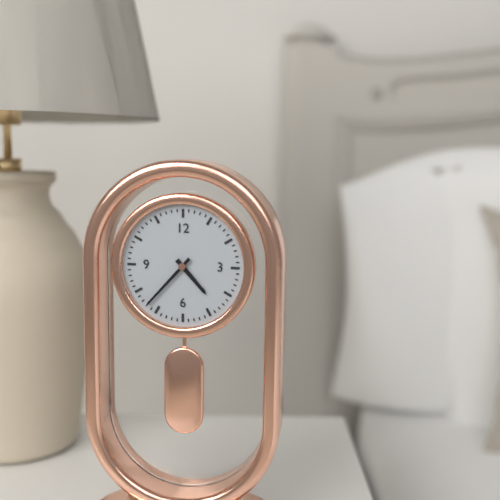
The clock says 4:37
